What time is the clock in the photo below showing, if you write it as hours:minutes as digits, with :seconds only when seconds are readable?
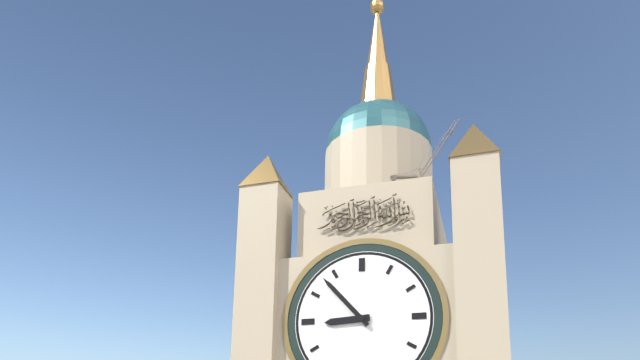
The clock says 8:53
